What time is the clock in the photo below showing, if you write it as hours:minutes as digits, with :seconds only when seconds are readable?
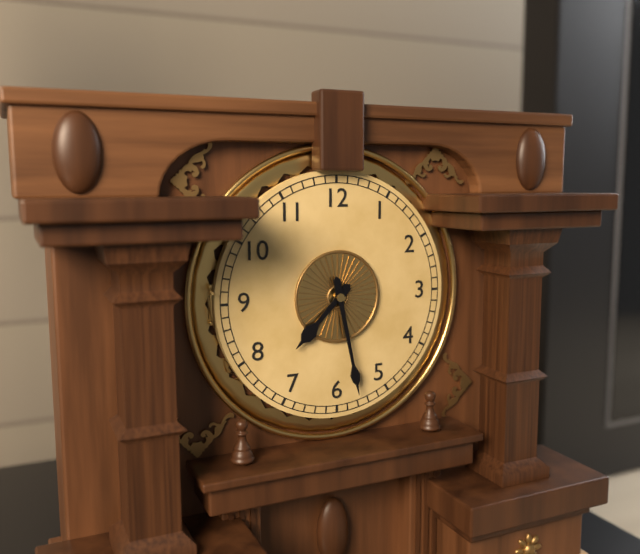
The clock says 7:28
